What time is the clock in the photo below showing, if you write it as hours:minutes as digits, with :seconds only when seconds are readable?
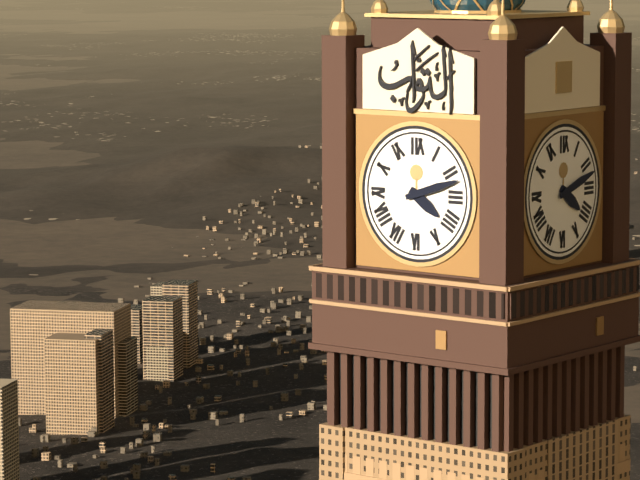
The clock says 4:12
